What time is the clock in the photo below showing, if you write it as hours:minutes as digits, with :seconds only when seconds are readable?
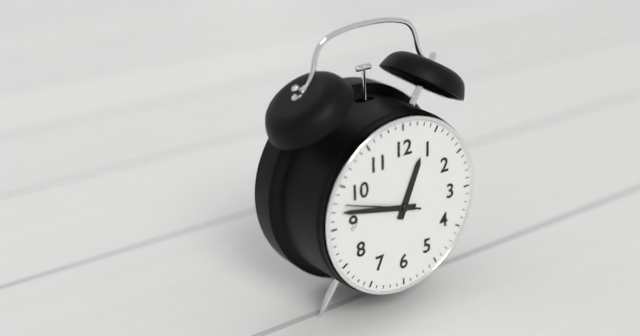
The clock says 12:47:48
